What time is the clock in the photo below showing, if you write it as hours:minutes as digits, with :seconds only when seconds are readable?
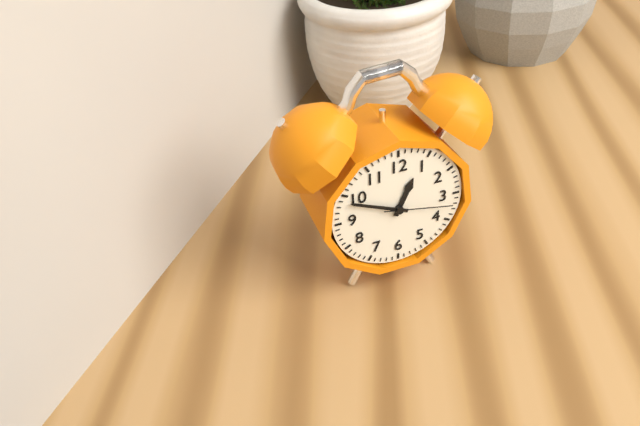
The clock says 12:49:17
